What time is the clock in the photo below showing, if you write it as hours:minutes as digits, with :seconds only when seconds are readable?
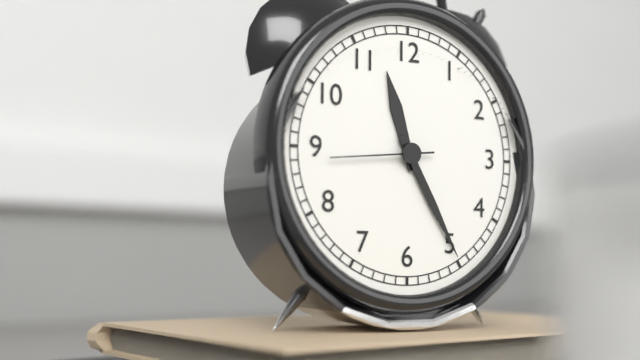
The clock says 11:25:44
